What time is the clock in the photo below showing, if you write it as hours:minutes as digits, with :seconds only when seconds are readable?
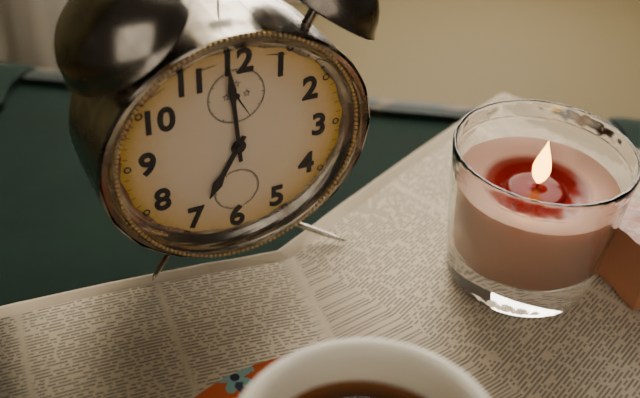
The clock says 6:59
